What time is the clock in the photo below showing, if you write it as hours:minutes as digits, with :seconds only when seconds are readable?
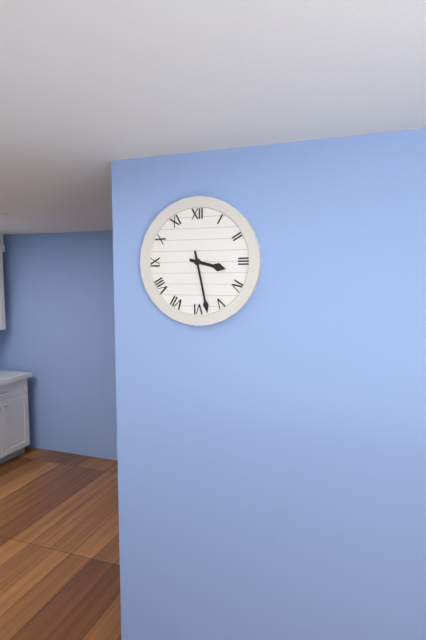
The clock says 3:28
